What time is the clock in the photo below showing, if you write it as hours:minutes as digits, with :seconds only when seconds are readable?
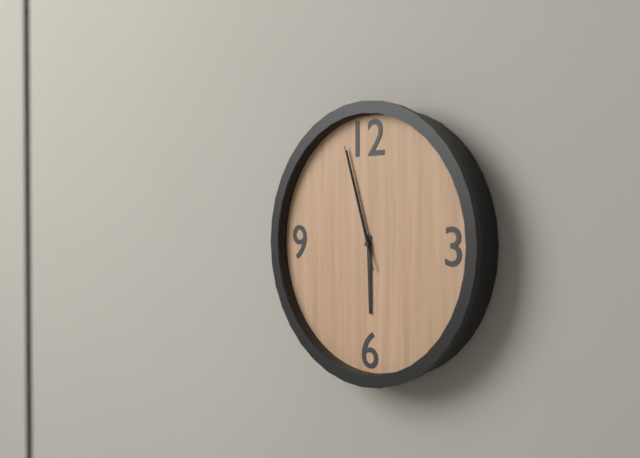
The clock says 5:57:57
